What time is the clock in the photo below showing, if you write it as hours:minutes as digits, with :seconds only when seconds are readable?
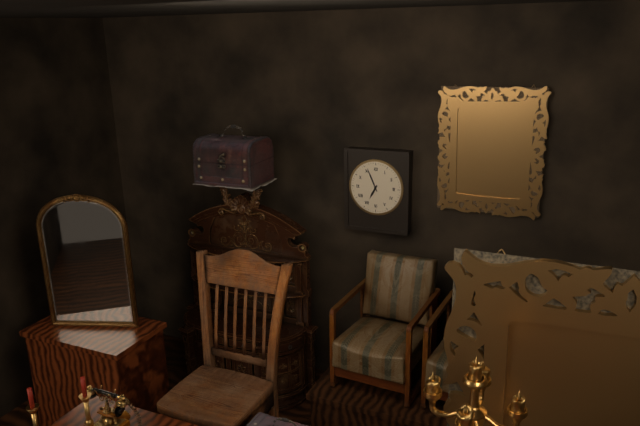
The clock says 6:56
